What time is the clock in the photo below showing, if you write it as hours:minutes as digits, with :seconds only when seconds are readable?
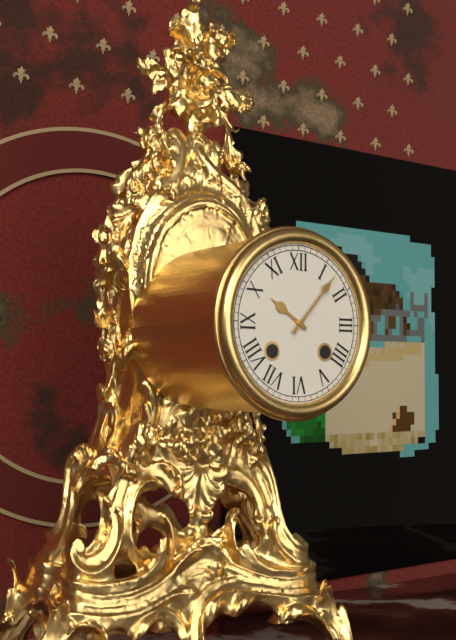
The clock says 10:07
